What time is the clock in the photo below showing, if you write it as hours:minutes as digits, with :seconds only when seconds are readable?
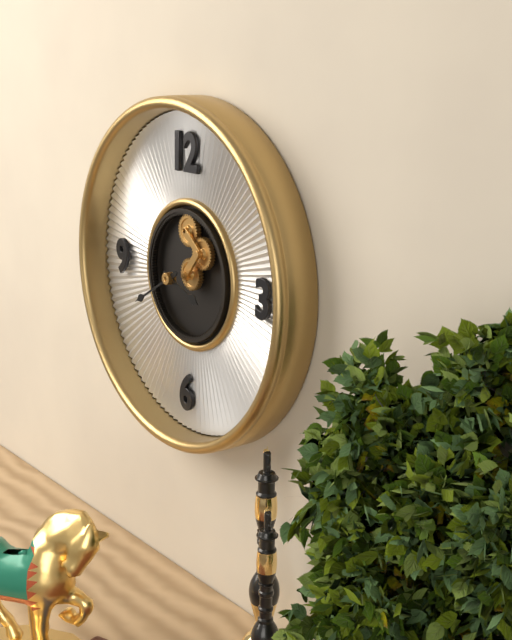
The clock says 3:40
